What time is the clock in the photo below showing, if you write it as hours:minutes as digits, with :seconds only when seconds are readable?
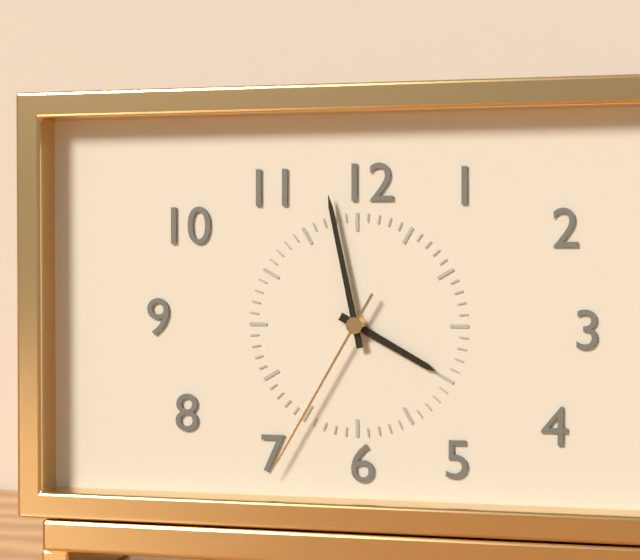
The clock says 3:58:35
